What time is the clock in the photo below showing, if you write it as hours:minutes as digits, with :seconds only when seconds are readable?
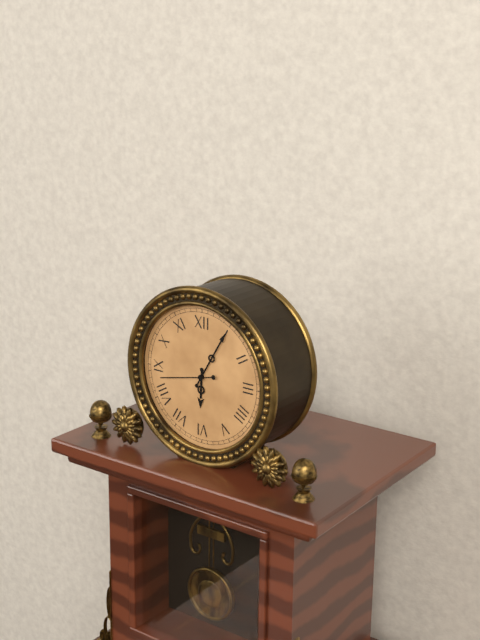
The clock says 6:05:43
